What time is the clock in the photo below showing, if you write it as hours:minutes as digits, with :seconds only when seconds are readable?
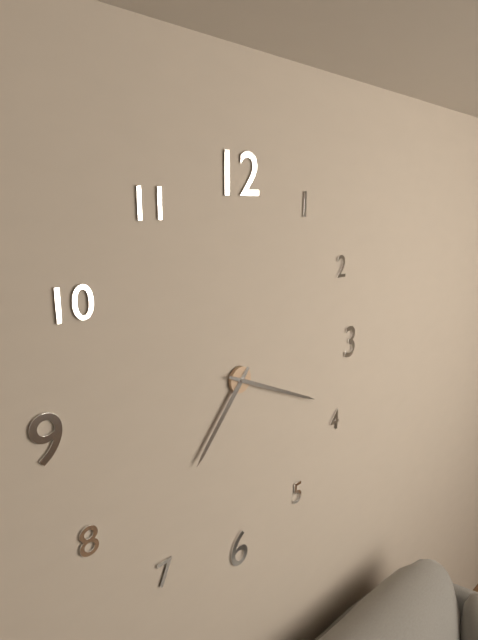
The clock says 7:19
